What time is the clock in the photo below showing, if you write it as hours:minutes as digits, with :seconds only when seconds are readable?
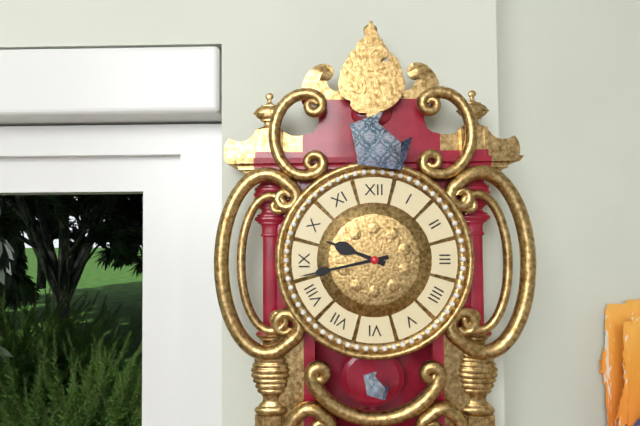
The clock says 9:43
